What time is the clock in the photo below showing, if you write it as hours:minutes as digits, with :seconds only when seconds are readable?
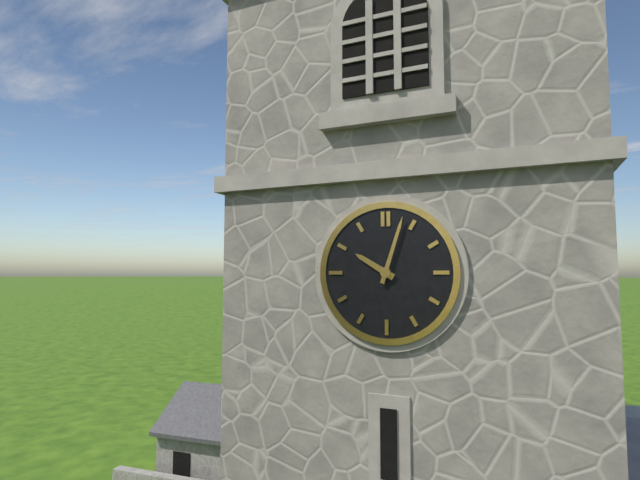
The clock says 10:03
